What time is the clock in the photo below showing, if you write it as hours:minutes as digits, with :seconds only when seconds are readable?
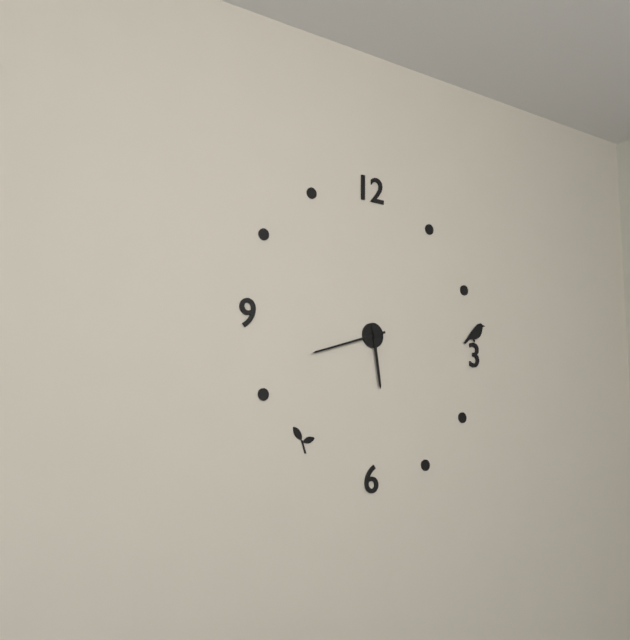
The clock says 5:42
